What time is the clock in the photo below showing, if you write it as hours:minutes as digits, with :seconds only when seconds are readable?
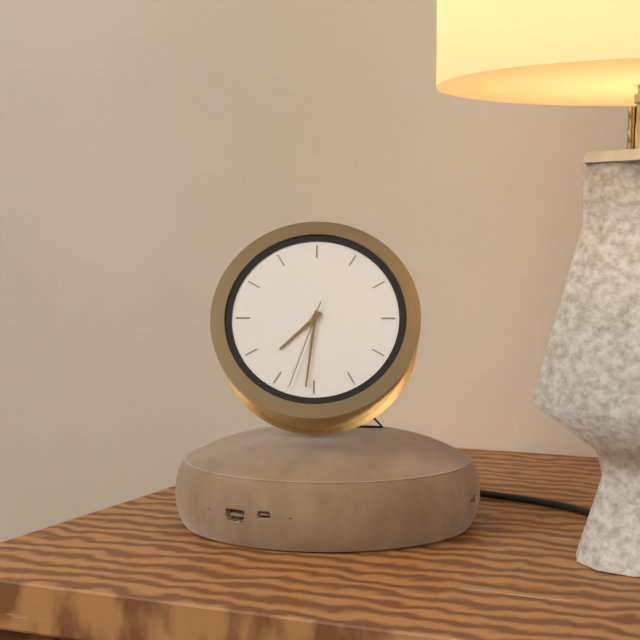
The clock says 7:31:33
